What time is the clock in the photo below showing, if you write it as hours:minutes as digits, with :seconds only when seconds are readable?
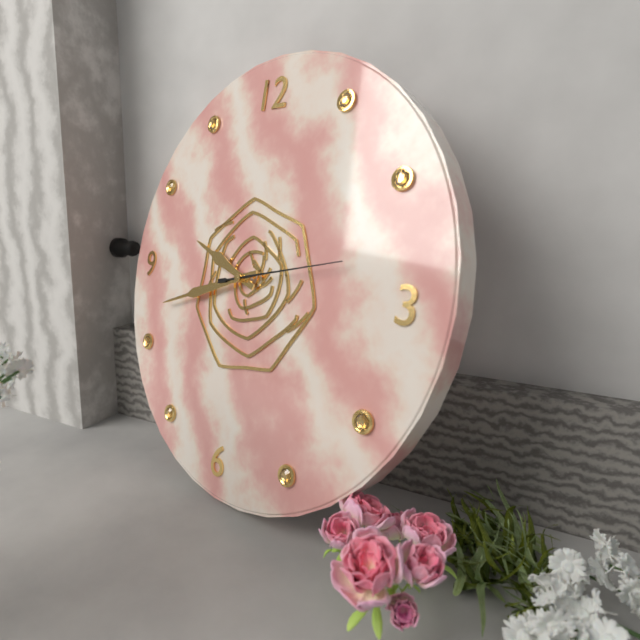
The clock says 9:42:13
